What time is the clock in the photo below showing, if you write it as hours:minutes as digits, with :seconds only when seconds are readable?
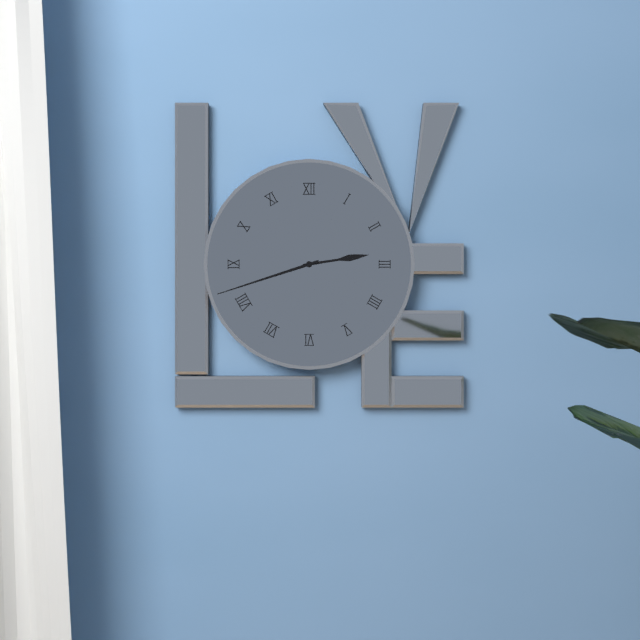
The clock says 2:42
